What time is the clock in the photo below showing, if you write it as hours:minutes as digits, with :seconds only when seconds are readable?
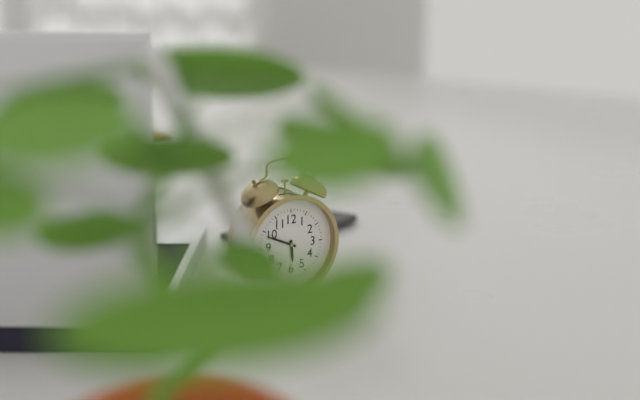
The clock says 5:49
